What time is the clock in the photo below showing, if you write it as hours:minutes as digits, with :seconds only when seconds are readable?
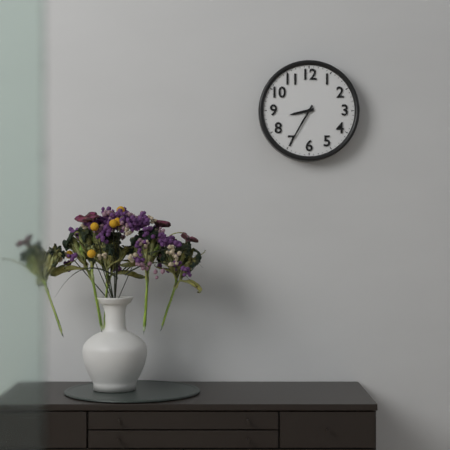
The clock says 8:35
